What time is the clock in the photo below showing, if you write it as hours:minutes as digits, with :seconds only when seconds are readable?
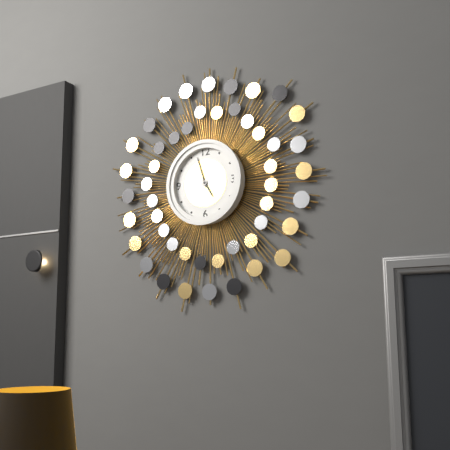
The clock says 4:57
